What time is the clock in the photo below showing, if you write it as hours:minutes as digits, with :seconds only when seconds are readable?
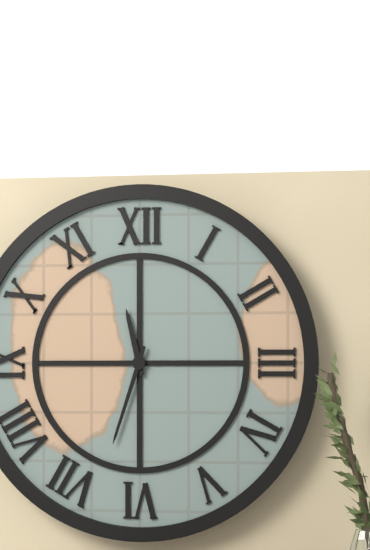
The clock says 11:33
